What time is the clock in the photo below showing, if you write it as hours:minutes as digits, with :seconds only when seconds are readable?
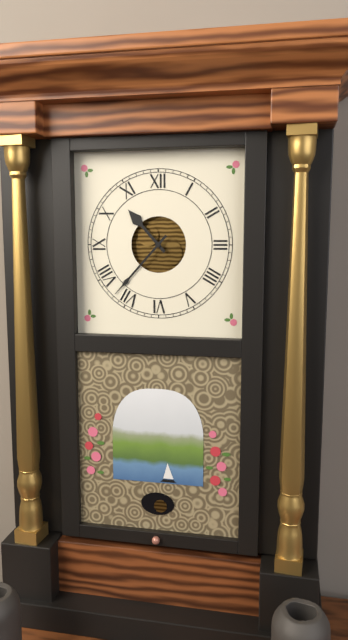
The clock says 10:37
